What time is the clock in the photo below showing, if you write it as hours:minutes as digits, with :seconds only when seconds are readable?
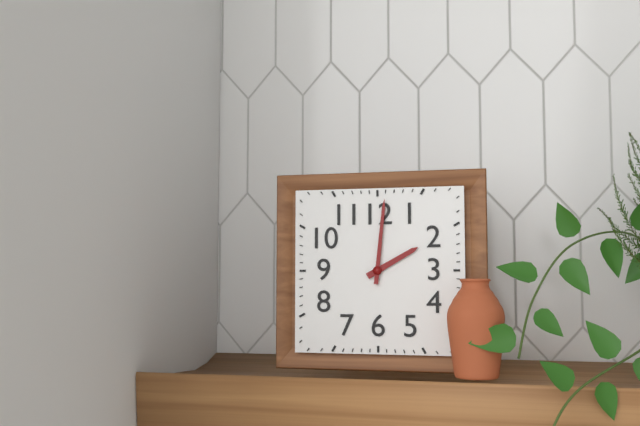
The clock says 2:01
